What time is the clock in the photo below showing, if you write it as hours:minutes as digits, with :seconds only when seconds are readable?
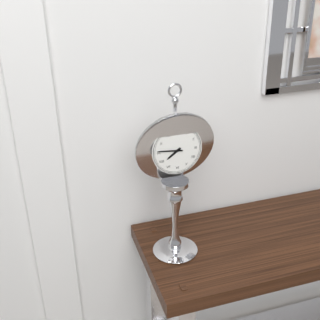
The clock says 7:46
